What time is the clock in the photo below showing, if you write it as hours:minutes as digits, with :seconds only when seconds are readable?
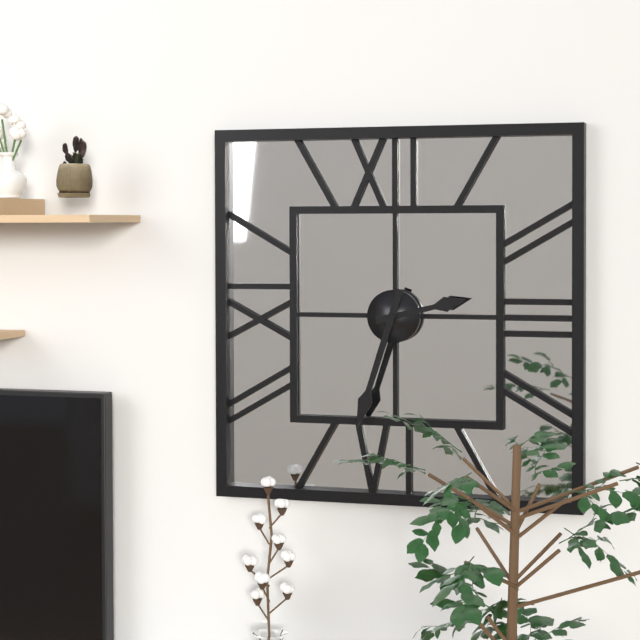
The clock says 2:33
